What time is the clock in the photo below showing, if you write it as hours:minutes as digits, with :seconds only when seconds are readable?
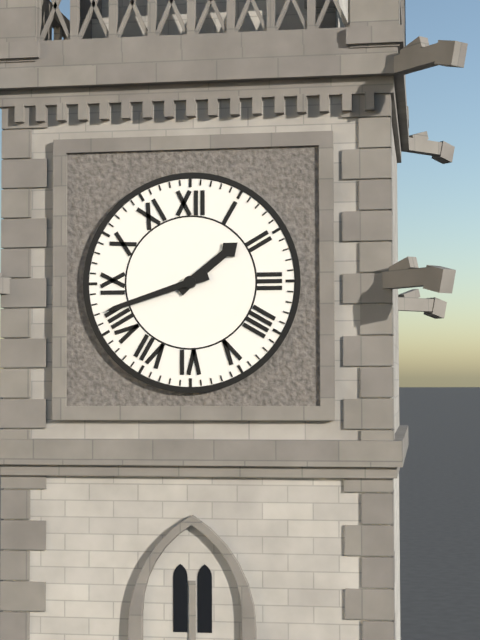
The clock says 1:42
